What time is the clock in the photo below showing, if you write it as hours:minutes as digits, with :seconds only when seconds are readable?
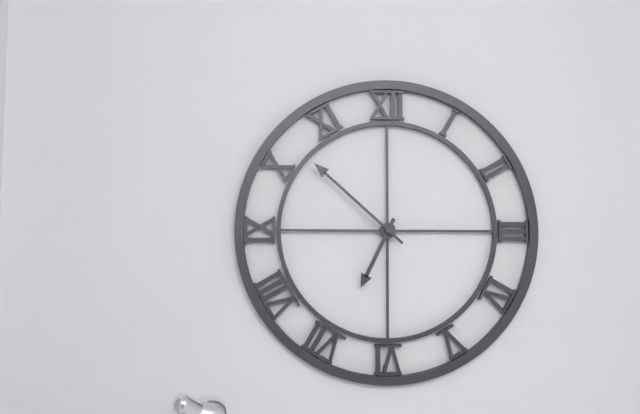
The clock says 6:52
